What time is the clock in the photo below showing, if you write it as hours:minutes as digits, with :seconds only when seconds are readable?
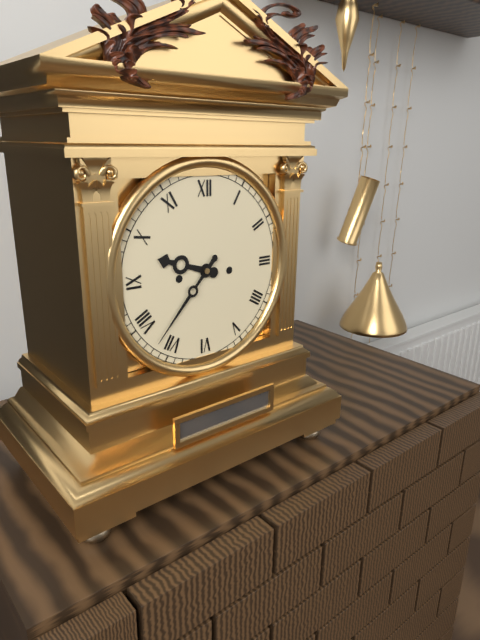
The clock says 9:37
